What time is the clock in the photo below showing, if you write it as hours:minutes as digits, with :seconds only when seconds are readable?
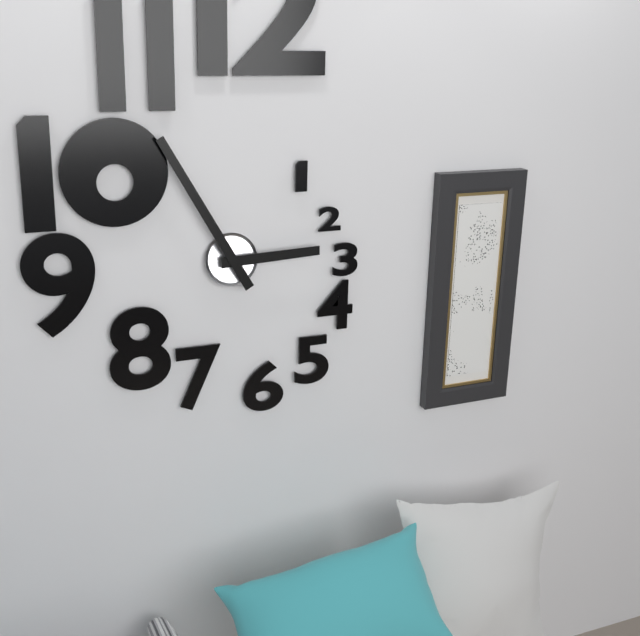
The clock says 2:55
